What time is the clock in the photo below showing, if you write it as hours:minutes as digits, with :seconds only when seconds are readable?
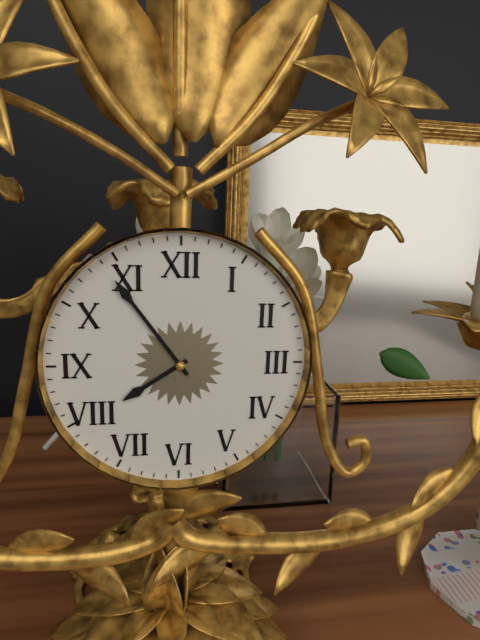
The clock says 7:54
